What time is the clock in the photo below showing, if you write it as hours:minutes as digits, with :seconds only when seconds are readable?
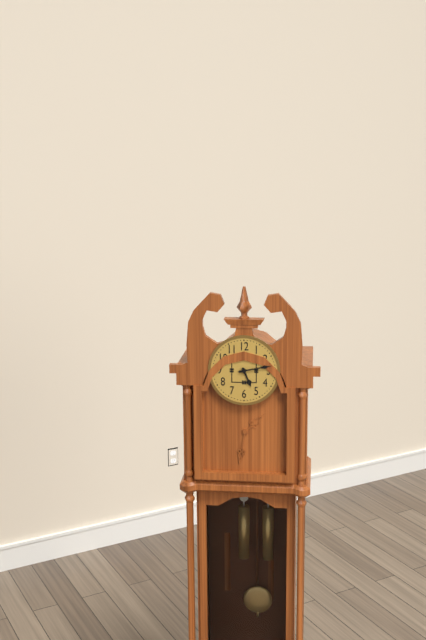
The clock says 5:13
